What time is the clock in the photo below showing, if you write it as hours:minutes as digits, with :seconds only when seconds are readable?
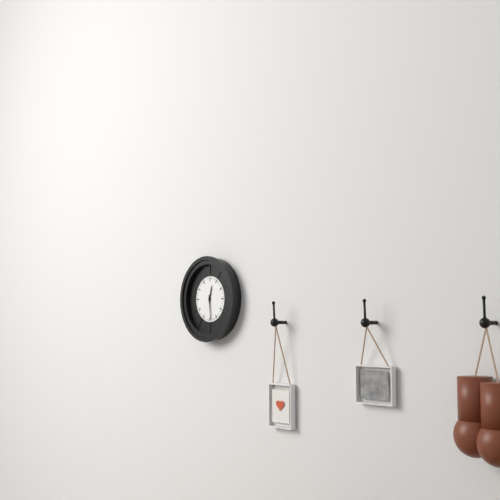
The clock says 12:29
